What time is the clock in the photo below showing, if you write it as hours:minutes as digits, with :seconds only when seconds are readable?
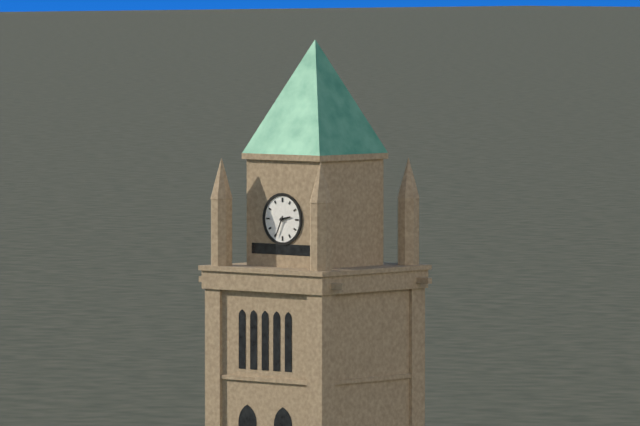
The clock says 2:34
